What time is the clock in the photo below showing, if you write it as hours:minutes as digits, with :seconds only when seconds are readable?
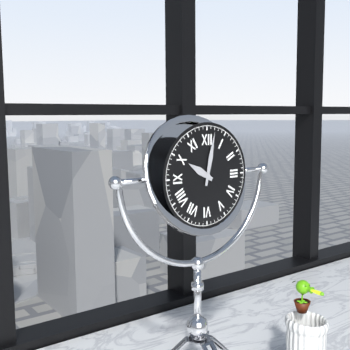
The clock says 10:02
